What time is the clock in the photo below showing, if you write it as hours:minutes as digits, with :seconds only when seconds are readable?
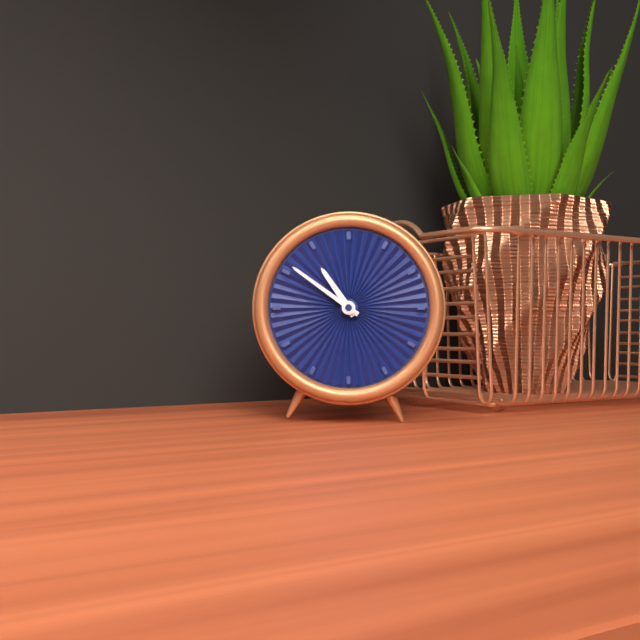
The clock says 10:51
